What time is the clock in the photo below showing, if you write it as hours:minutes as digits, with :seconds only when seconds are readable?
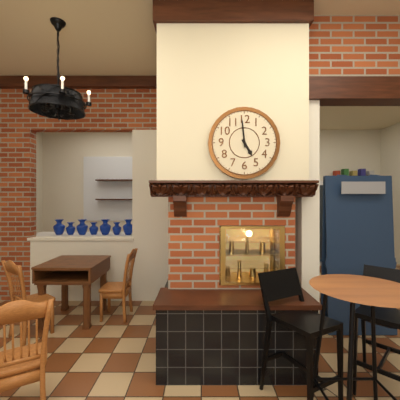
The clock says 4:59
